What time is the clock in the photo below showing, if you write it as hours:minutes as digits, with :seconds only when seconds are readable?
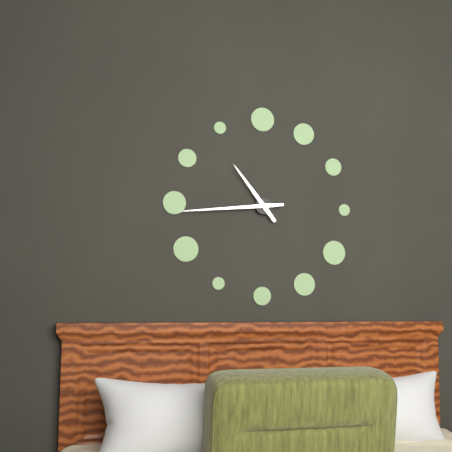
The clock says 10:44
